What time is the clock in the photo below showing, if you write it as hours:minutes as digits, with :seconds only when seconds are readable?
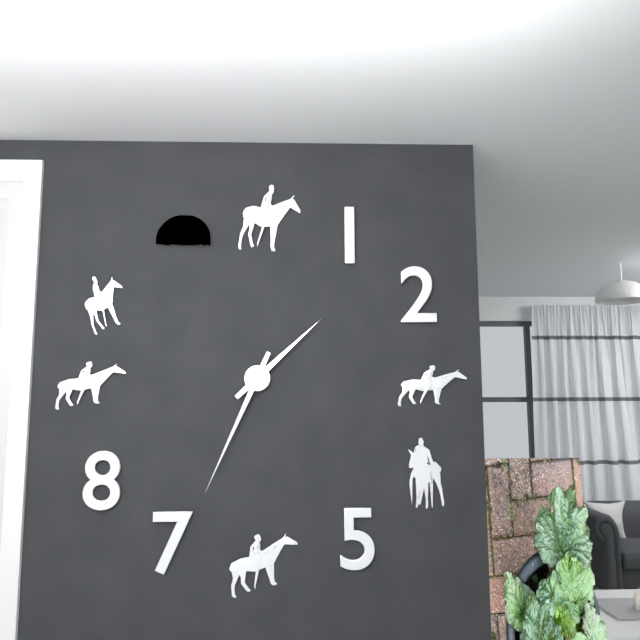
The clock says 1:34
